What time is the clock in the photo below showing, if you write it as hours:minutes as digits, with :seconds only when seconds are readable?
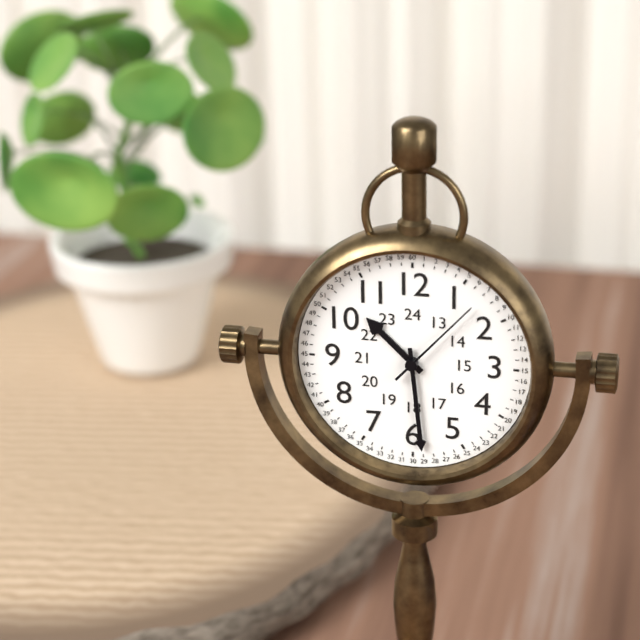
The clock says 10:29:07
